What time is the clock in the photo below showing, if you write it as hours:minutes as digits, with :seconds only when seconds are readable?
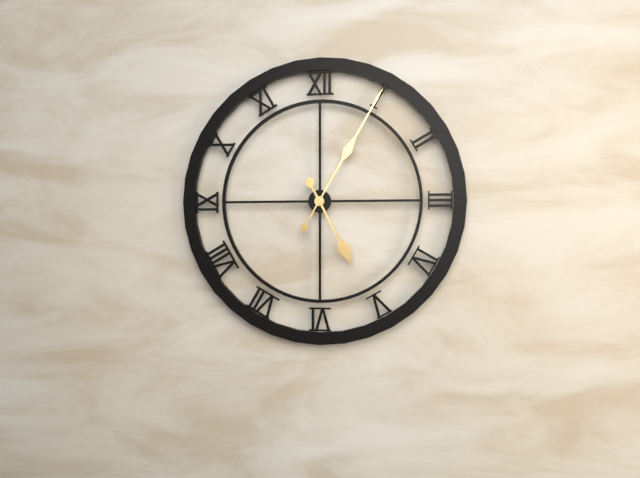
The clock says 5:05
